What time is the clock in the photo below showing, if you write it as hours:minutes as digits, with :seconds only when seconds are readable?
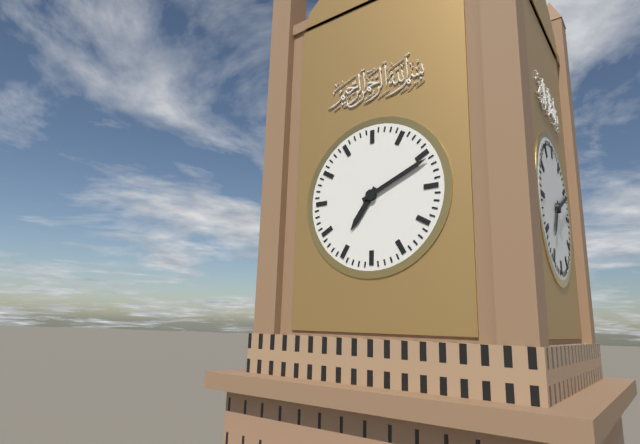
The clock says 7:11
